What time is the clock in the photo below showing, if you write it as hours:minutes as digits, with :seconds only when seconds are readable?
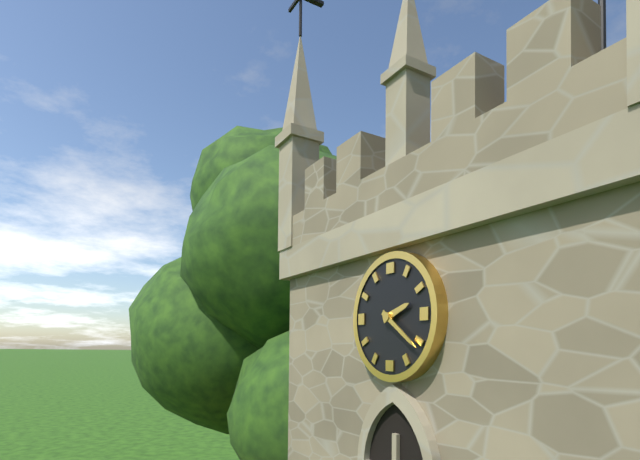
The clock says 2:21
